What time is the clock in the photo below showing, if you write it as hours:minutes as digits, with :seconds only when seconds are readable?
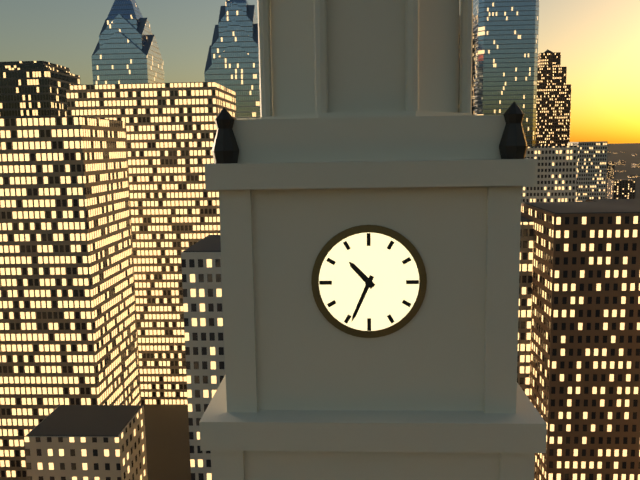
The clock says 10:34
